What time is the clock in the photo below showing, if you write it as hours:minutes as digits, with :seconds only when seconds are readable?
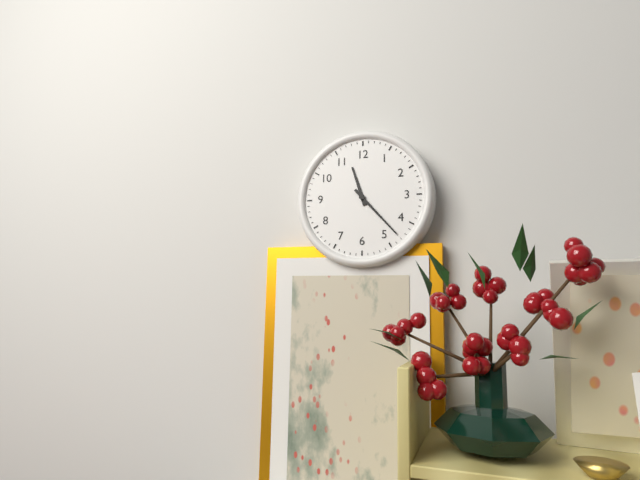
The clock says 11:23
